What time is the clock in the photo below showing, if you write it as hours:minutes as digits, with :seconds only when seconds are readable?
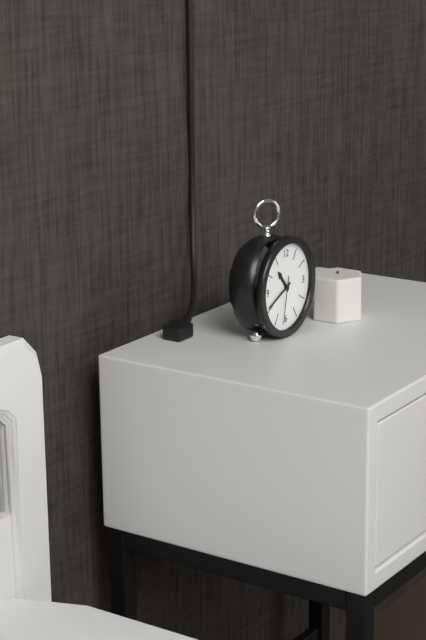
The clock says 10:41
